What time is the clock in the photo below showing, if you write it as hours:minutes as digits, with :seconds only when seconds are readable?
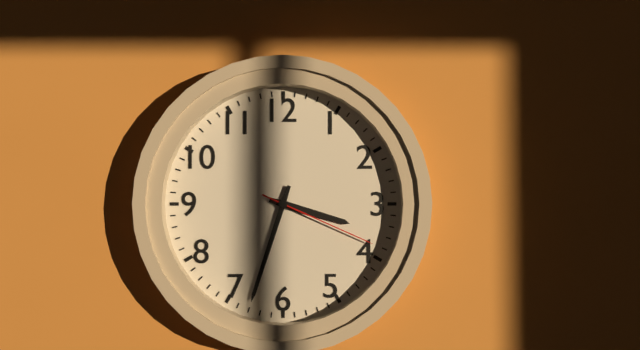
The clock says 3:33:19
